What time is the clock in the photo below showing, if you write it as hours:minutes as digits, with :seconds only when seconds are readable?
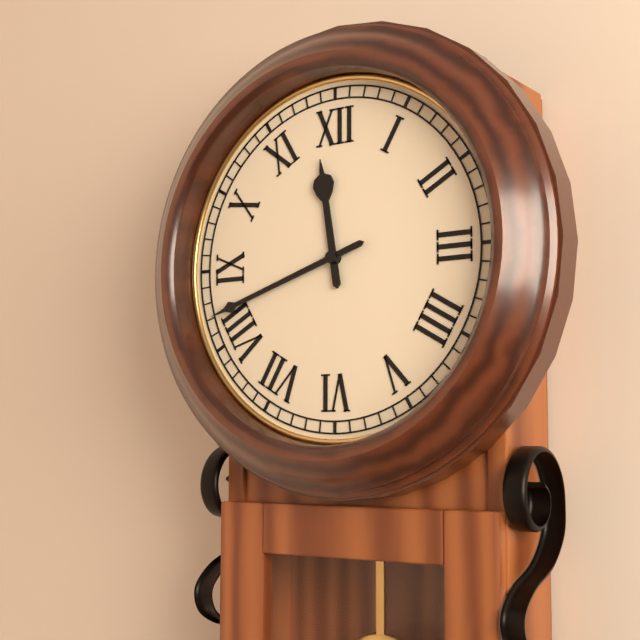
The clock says 11:42
